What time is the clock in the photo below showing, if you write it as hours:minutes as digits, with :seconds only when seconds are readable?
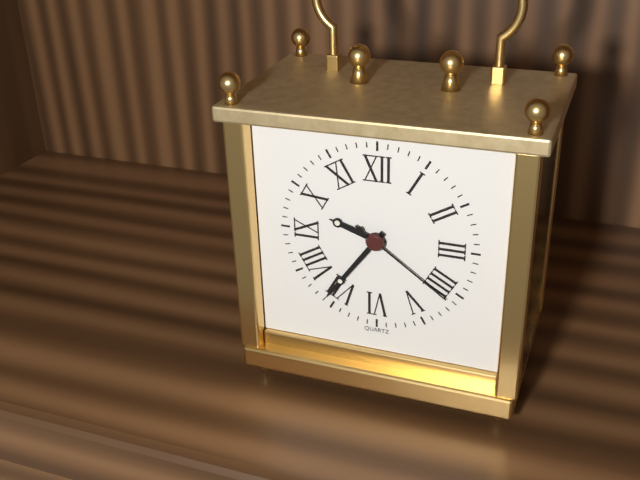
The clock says 9:36:21
